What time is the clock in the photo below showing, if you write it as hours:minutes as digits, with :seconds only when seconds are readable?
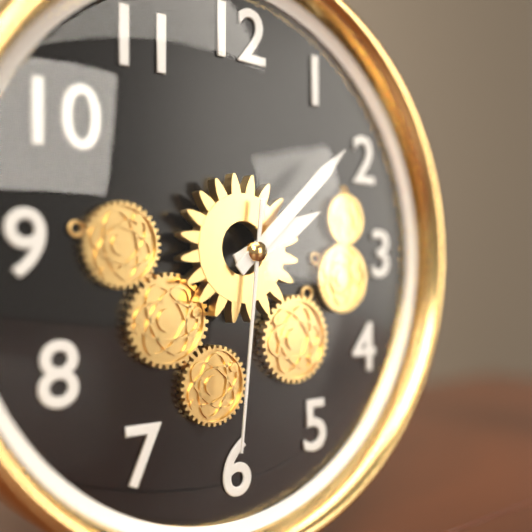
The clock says 2:08:31
